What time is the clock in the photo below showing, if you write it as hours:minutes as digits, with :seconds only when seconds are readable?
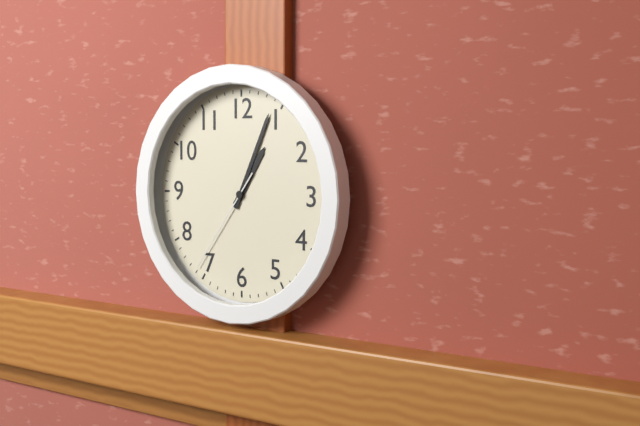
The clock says 1:04:36
